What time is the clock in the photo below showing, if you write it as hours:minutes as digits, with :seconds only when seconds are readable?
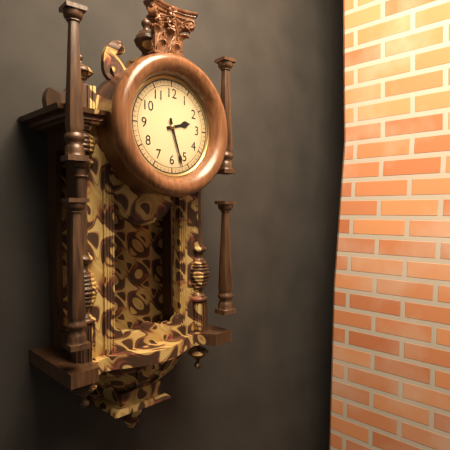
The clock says 2:27
